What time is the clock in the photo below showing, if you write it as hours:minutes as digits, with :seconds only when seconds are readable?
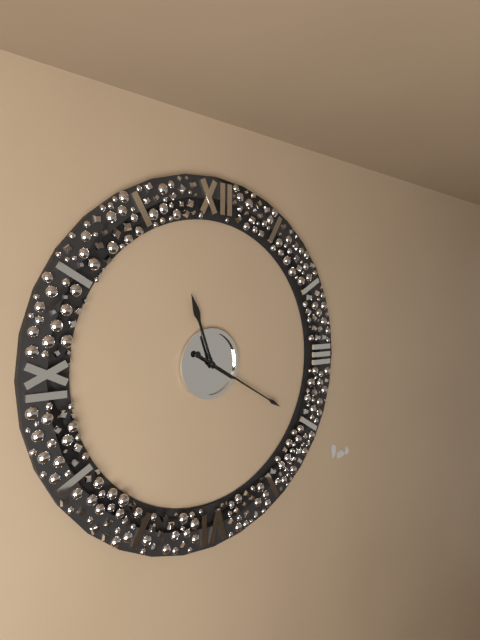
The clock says 11:20
